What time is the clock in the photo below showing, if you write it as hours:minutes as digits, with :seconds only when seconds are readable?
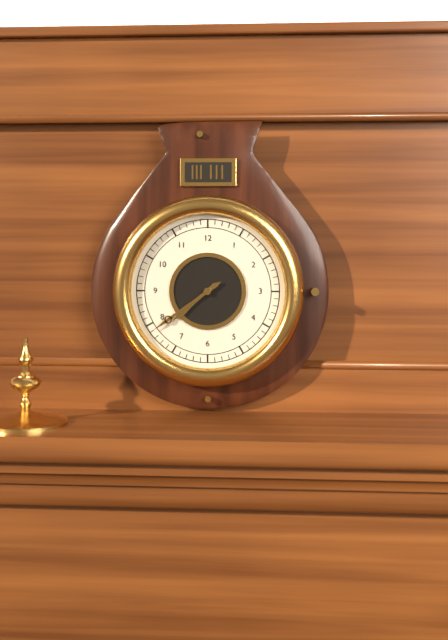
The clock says 7:39
